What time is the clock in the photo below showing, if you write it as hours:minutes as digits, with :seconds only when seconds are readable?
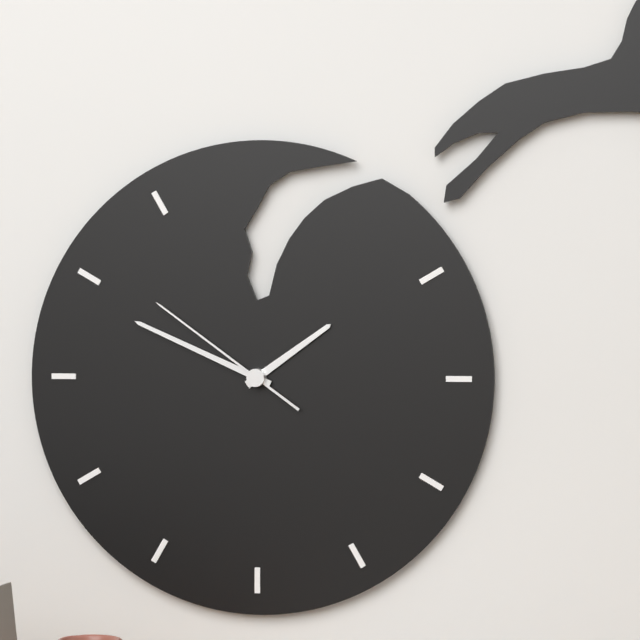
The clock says 1:49:51
